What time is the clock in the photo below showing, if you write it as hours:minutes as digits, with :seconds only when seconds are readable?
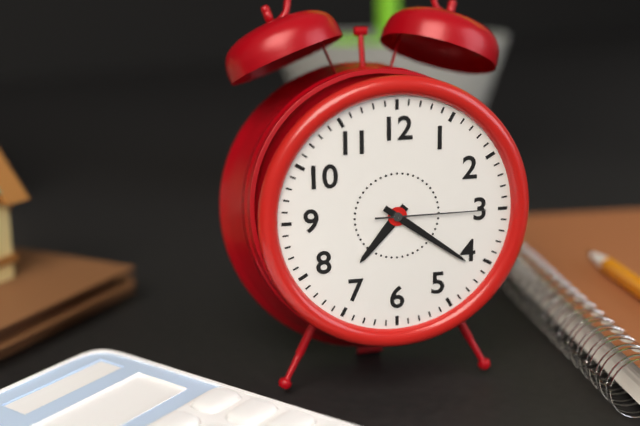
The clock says 7:21:15
